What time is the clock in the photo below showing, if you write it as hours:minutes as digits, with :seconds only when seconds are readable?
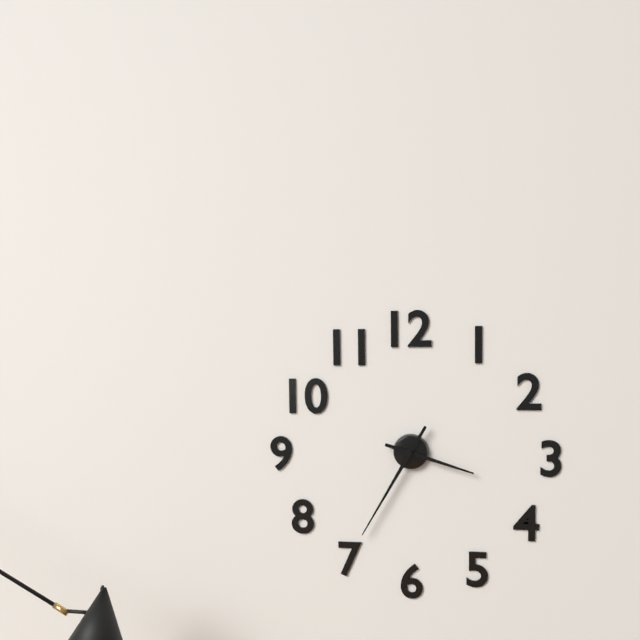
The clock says 3:35
